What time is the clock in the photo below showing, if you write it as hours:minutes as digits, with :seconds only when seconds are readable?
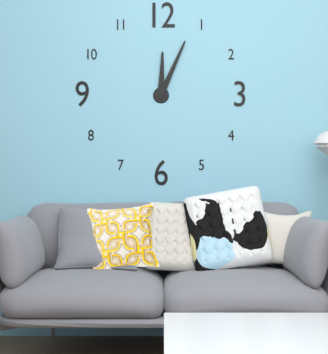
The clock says 12:04
